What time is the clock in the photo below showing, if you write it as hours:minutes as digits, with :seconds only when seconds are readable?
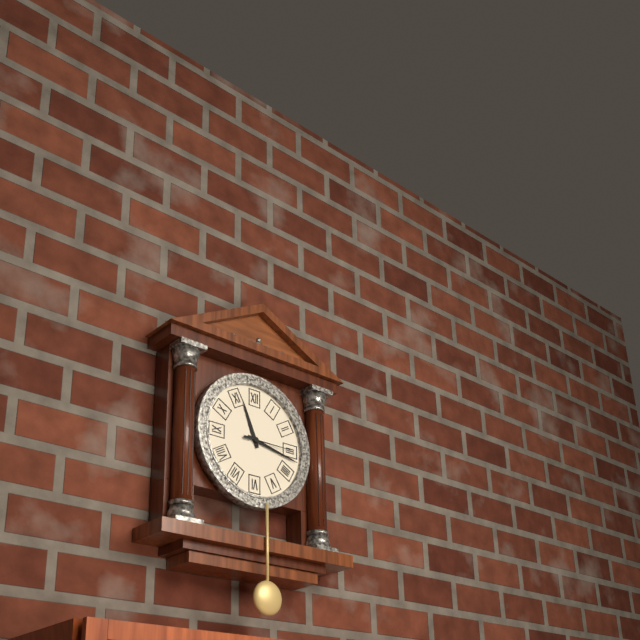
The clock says 11:17
